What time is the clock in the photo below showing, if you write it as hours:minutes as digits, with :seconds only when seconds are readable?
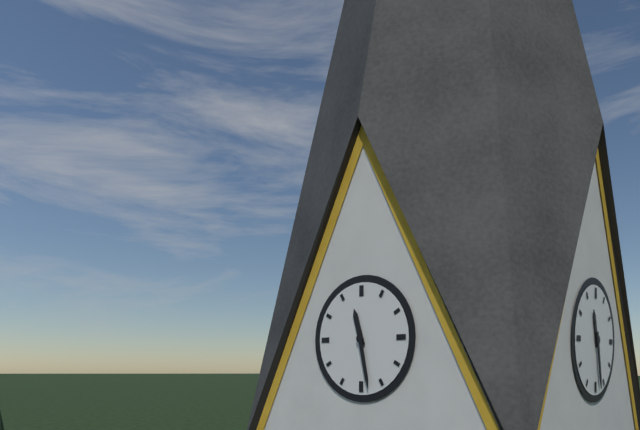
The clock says 11:28
